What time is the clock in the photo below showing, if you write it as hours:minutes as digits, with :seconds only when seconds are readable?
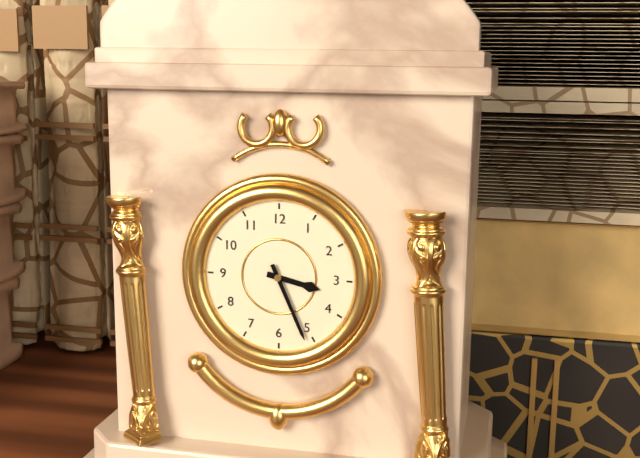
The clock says 3:26
